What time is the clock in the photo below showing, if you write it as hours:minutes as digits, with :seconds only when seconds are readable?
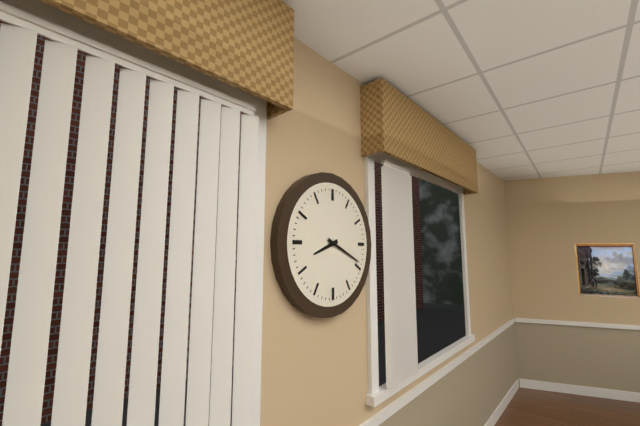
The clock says 8:19
